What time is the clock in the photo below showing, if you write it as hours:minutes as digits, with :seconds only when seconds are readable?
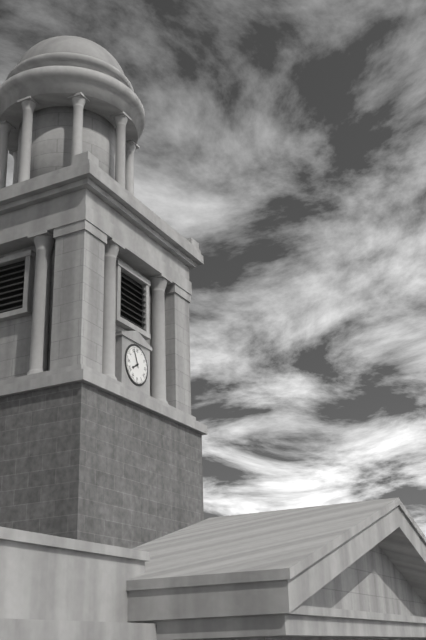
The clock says 7:56
